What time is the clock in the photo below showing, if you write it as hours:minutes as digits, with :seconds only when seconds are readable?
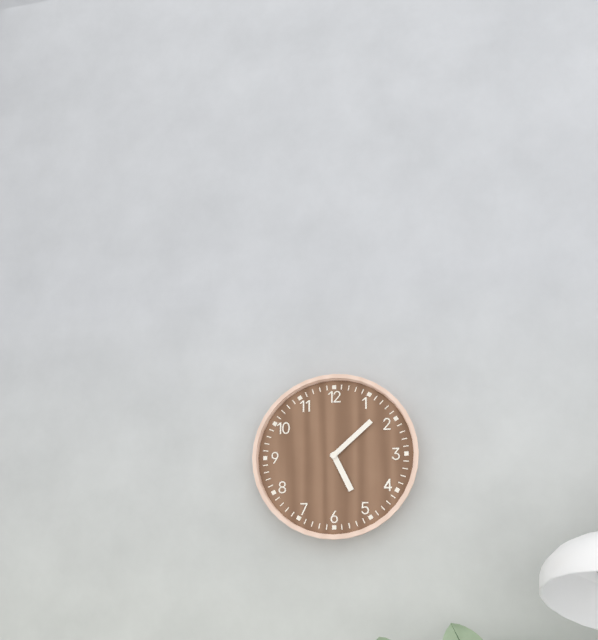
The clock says 5:08
